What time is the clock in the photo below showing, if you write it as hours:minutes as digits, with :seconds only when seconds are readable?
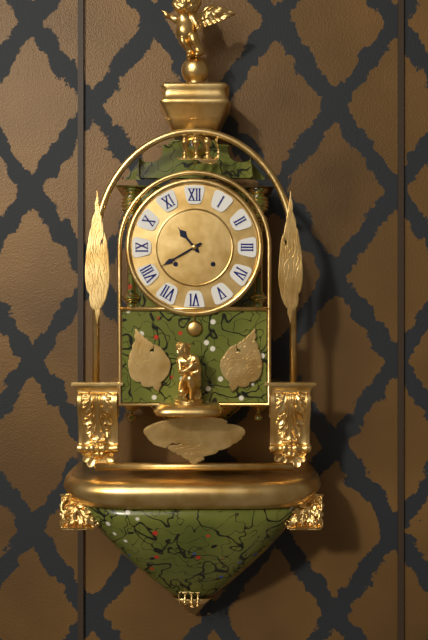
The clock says 10:40
